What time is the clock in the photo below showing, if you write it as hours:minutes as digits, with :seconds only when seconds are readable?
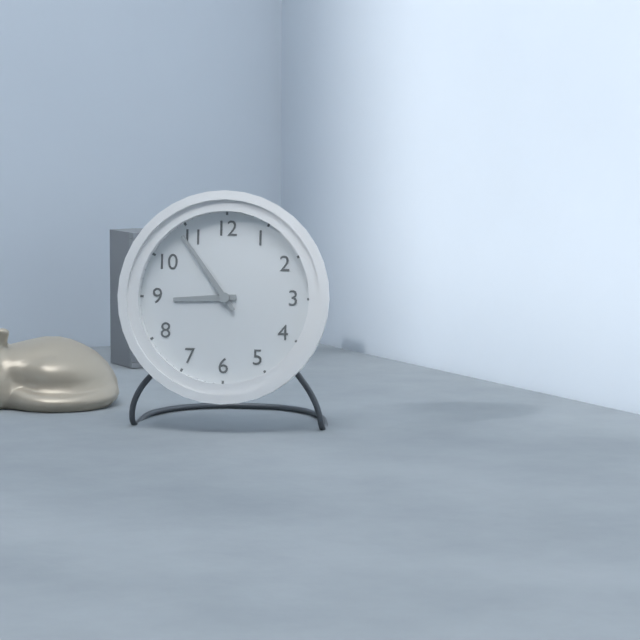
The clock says 8:54
